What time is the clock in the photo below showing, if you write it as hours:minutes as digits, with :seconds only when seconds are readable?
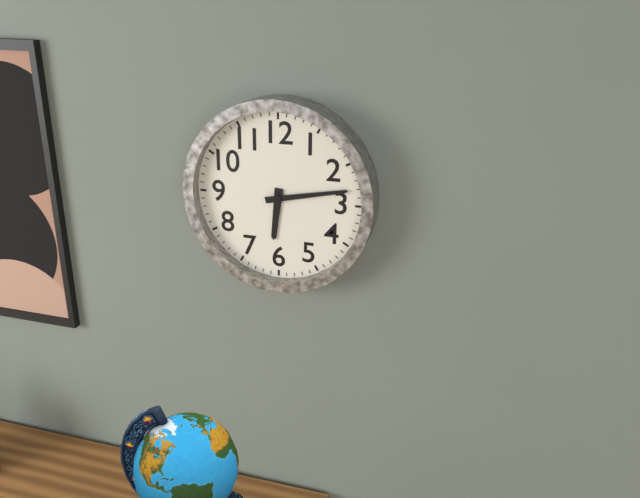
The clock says 6:13
